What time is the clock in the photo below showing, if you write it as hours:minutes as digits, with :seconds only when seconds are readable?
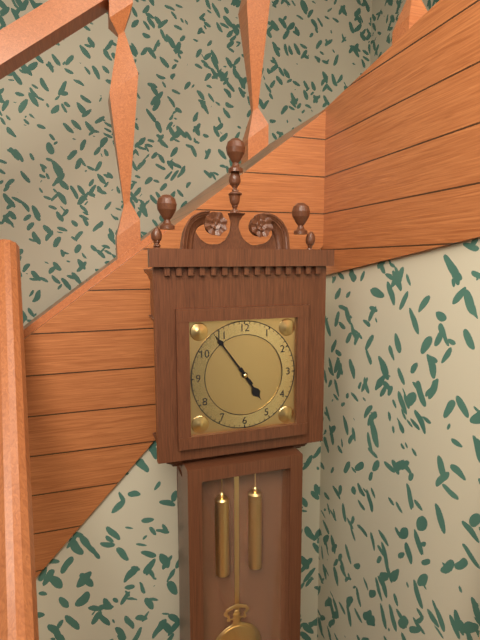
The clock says 4:54
